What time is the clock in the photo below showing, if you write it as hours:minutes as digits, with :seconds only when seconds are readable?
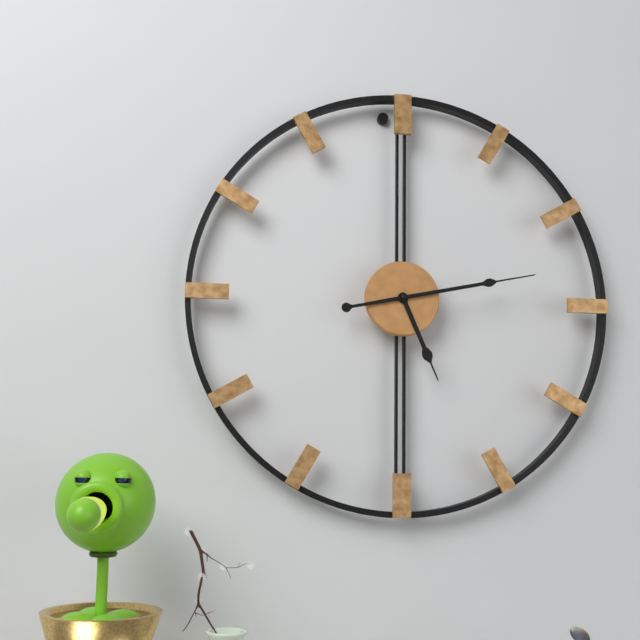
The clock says 5:13
